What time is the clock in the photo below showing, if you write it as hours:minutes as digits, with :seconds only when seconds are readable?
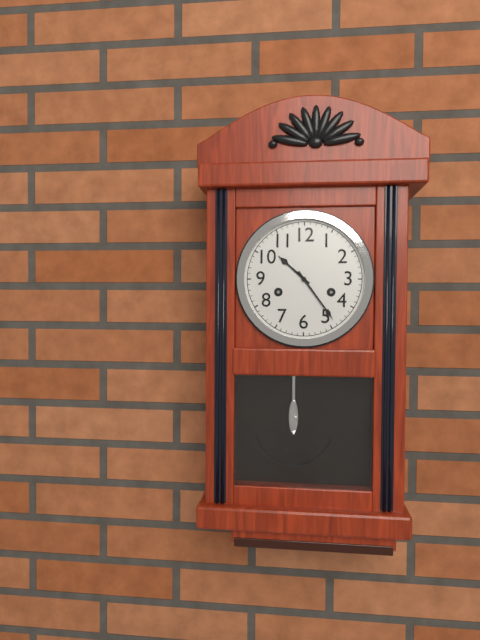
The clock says 10:24
